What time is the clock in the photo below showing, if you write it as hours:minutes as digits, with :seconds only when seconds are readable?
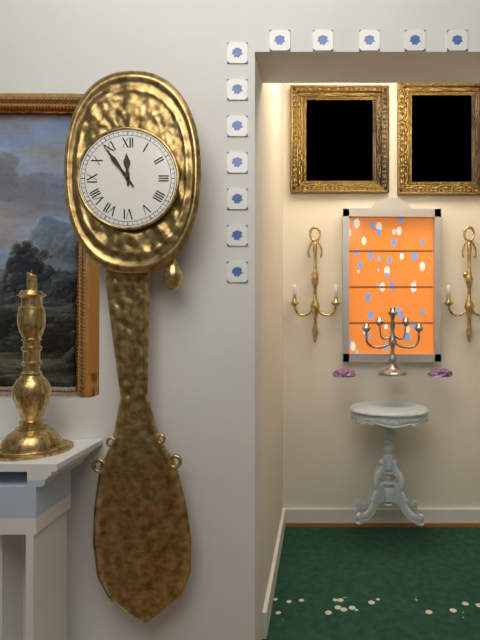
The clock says 11:54
